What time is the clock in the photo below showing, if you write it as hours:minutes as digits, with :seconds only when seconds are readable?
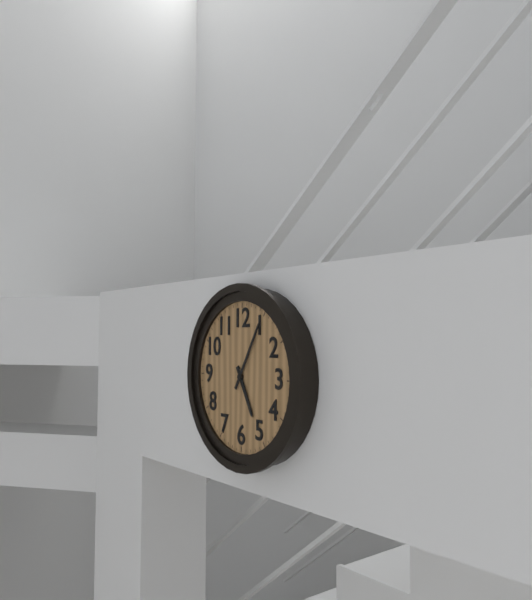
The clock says 5:05
